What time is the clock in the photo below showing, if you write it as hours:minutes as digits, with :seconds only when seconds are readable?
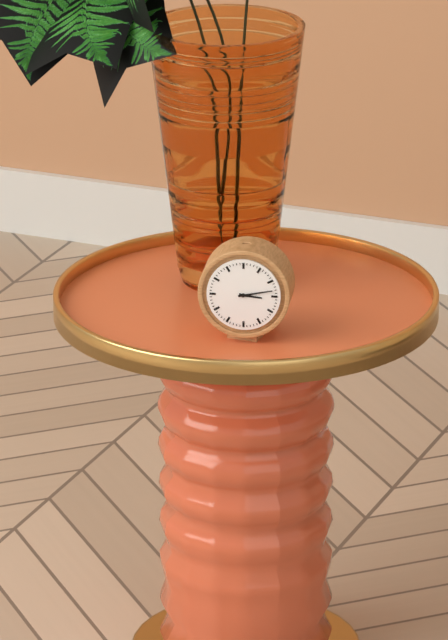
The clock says 3:13
